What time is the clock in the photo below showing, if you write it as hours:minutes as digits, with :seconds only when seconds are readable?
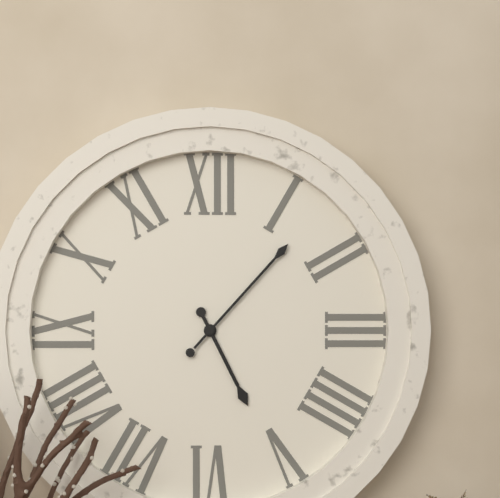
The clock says 5:07
